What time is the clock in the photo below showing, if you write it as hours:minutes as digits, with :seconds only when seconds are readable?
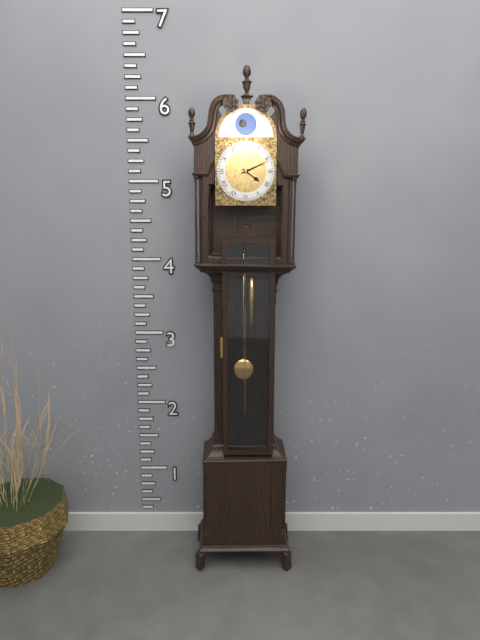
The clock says 4:11
